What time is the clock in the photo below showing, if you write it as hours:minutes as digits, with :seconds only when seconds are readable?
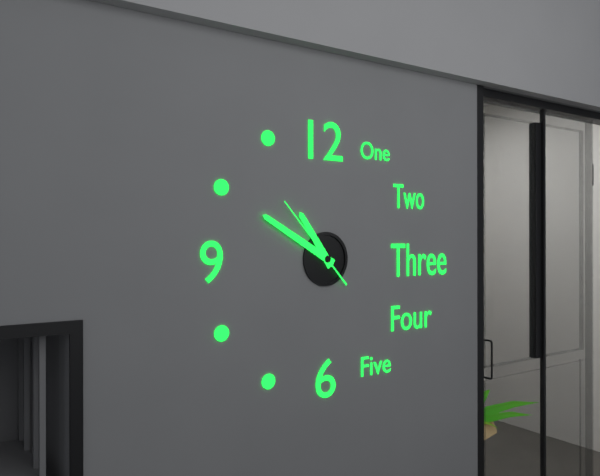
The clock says 10:50:53
